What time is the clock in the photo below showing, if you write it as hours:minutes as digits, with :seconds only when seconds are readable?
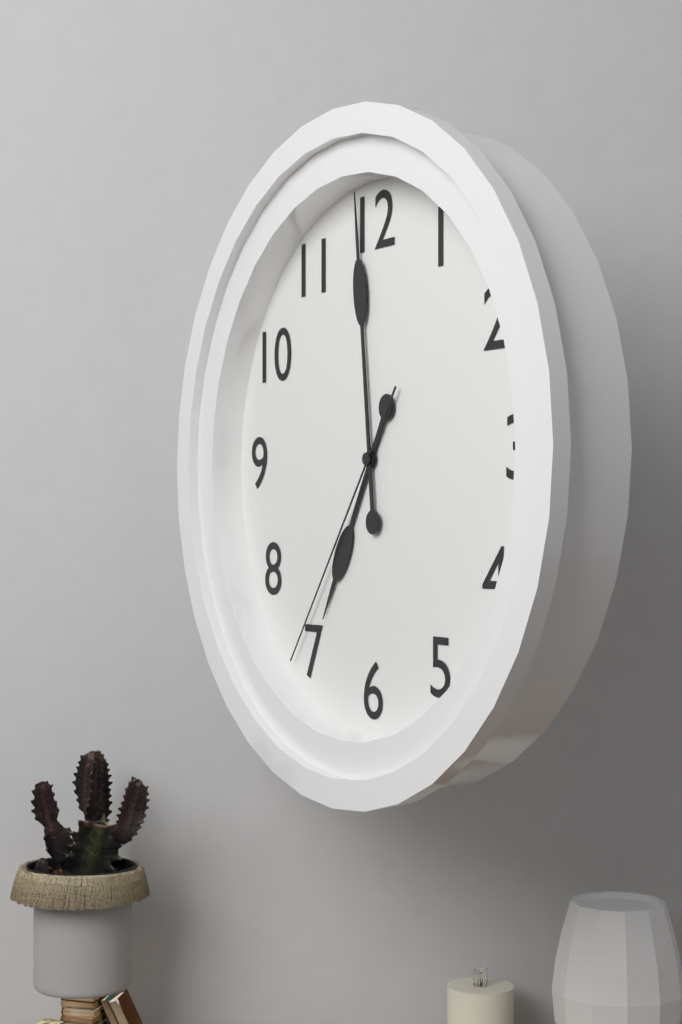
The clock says 6:59:36
